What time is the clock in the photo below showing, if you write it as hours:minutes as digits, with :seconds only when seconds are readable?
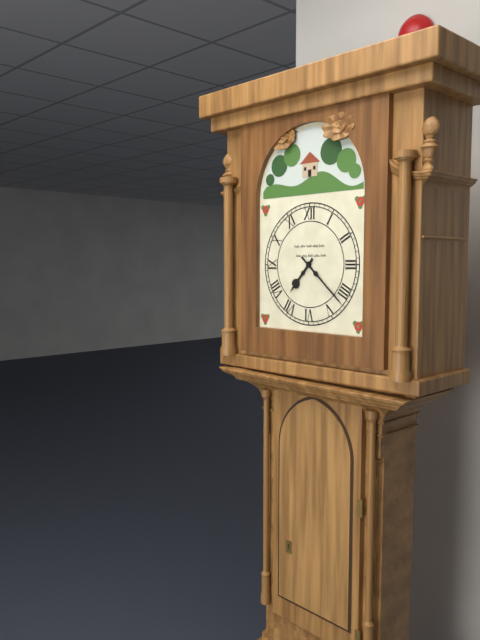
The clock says 7:22
